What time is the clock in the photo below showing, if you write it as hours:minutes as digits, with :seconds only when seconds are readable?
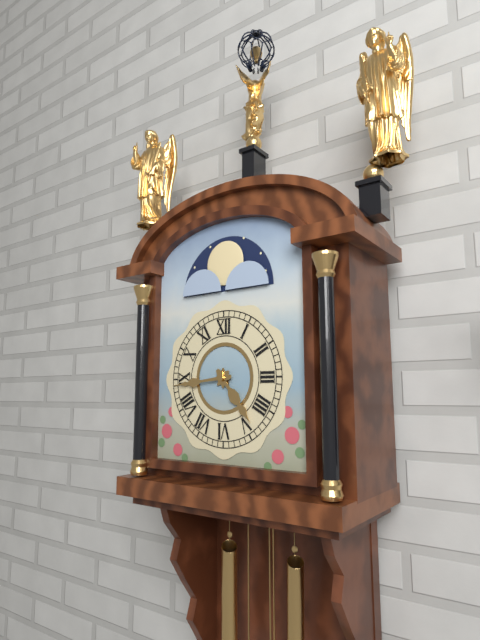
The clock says 4:44
